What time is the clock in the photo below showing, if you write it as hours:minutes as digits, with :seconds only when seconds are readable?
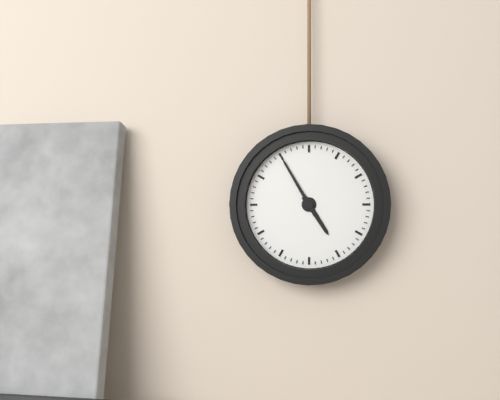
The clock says 4:55
